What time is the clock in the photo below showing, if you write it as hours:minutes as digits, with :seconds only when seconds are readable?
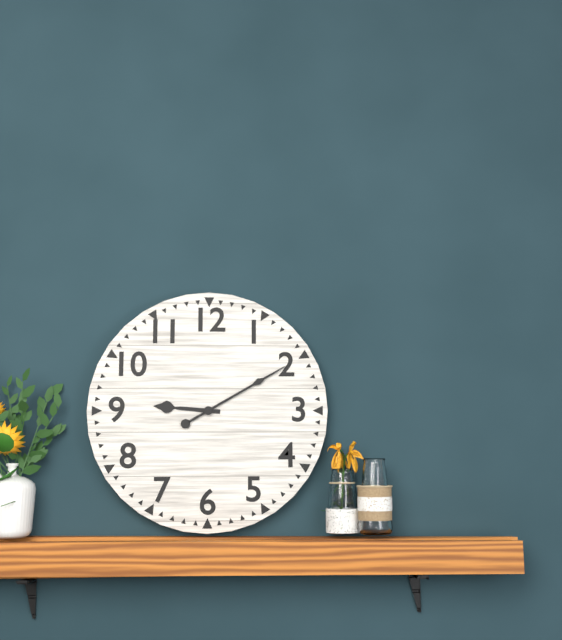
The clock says 9:10
